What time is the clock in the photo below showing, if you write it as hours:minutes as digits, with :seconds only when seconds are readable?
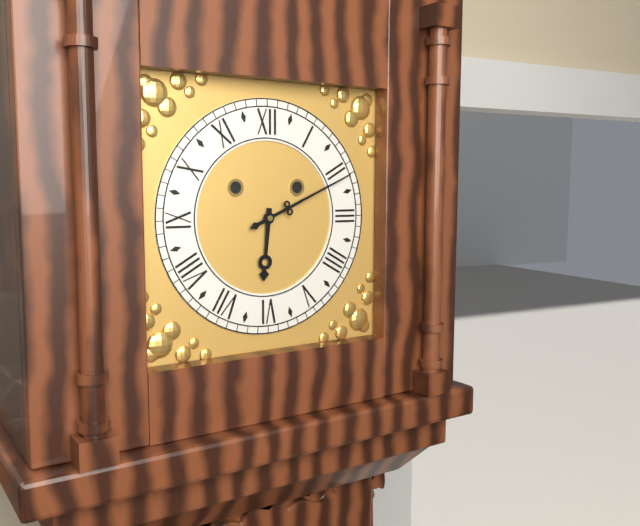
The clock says 6:11
